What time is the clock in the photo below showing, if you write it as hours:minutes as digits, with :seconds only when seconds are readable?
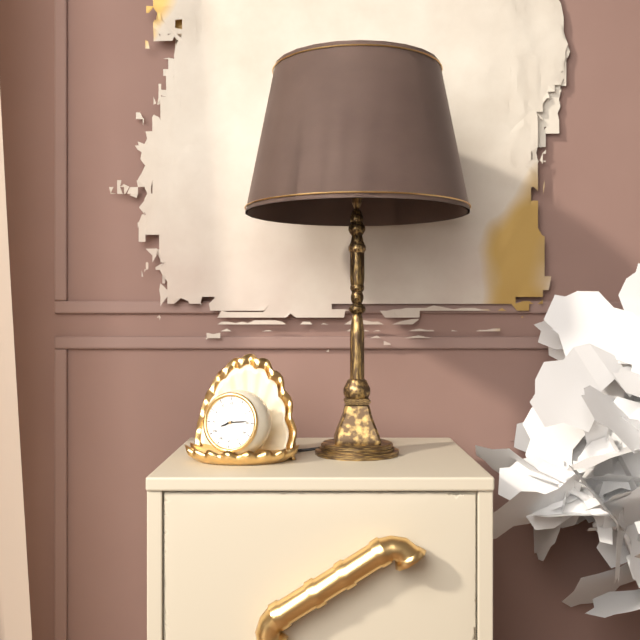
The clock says 8:14
